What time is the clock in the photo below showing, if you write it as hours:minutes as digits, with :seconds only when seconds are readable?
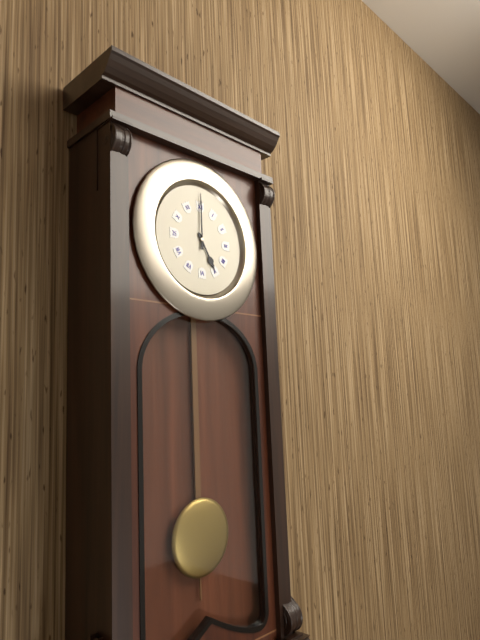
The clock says 5:00
